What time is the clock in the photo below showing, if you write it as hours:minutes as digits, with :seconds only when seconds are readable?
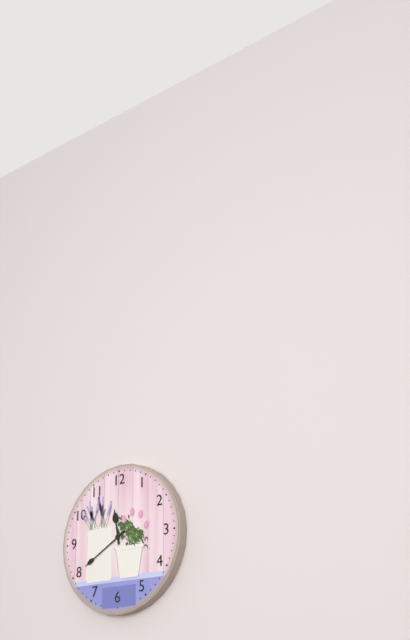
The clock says 11:40
